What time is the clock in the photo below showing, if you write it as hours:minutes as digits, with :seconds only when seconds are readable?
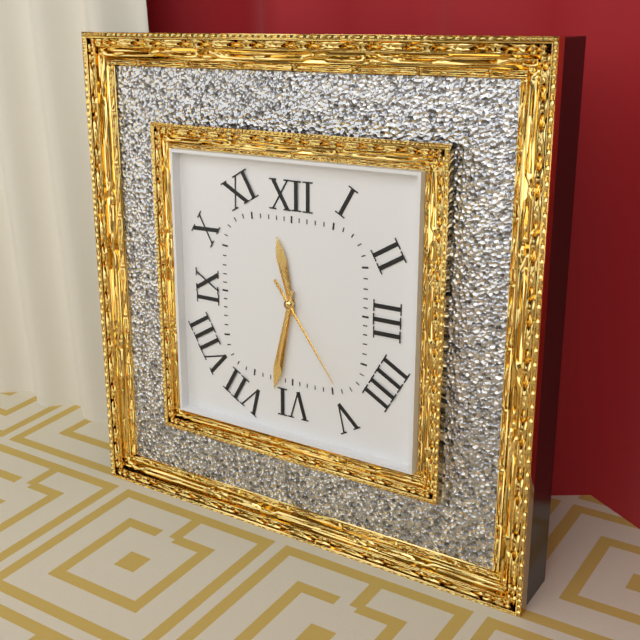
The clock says 11:32:24
